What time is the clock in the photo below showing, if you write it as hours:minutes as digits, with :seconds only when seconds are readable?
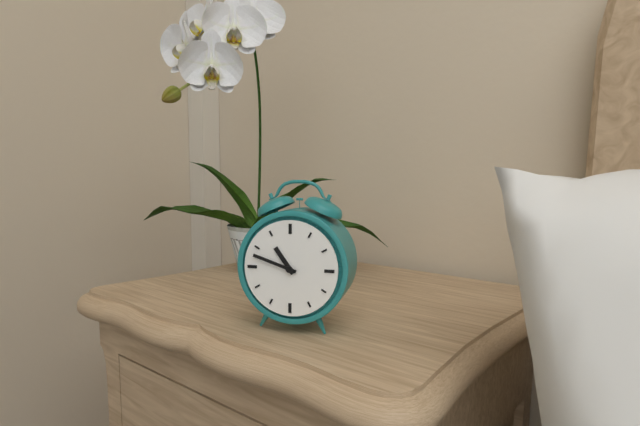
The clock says 10:48
